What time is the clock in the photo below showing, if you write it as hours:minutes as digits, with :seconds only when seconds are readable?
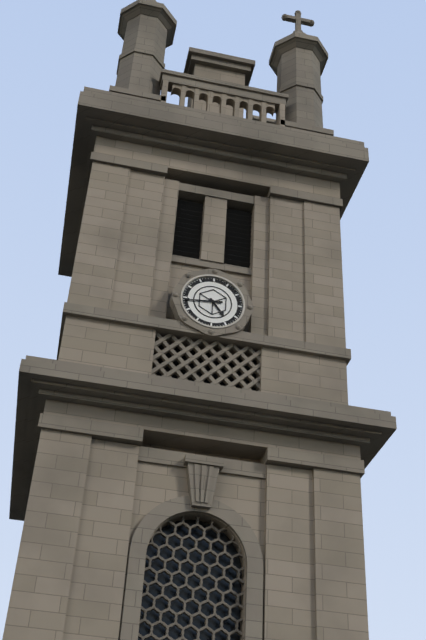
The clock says 4:44
